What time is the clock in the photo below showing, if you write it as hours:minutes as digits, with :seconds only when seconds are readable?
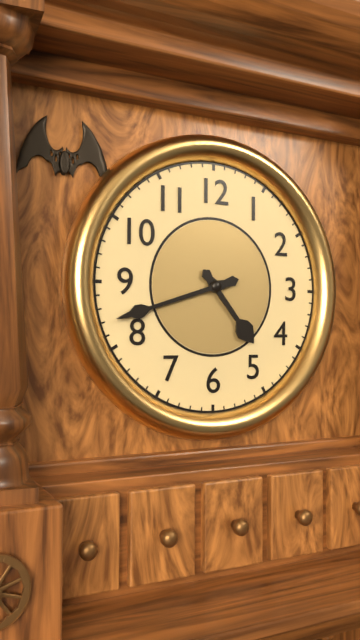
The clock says 4:42
